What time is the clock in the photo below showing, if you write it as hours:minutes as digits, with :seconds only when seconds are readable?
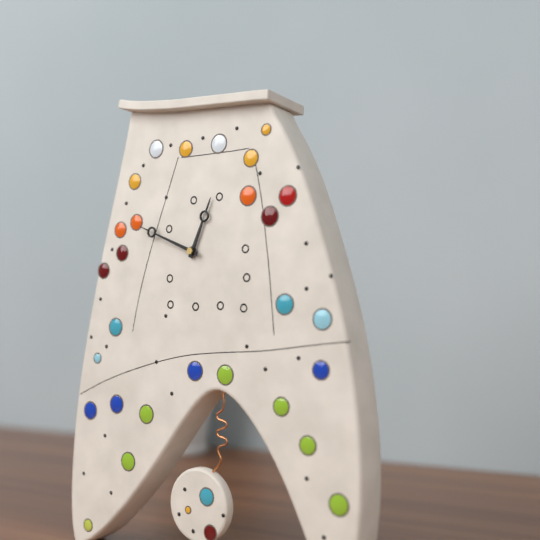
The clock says 12:49
